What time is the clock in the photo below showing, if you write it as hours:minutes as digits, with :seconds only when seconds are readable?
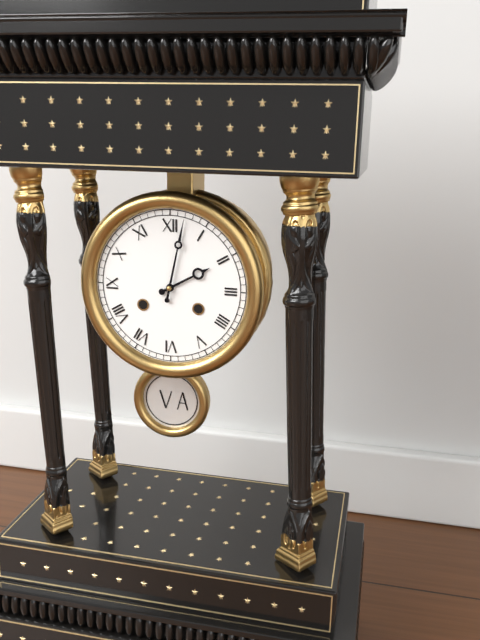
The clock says 2:02
